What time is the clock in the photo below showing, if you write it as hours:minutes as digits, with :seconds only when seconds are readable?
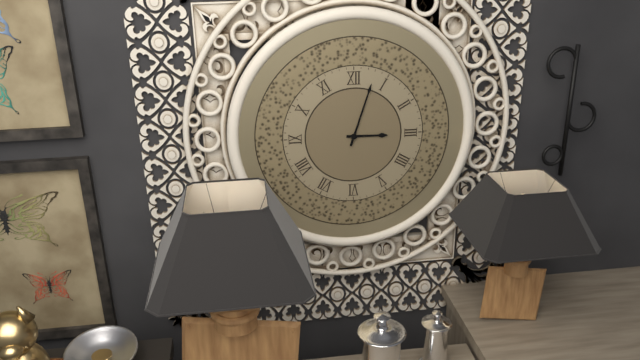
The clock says 3:03
